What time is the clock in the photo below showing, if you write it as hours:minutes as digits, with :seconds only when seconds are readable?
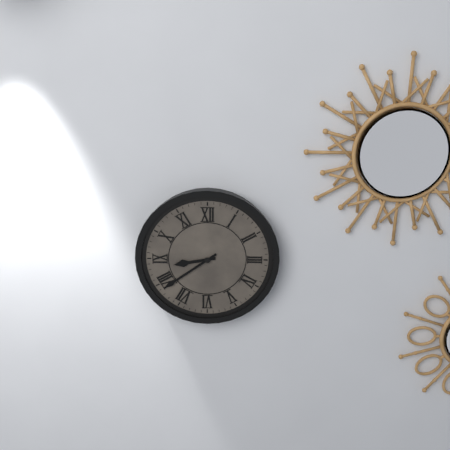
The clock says 8:39
